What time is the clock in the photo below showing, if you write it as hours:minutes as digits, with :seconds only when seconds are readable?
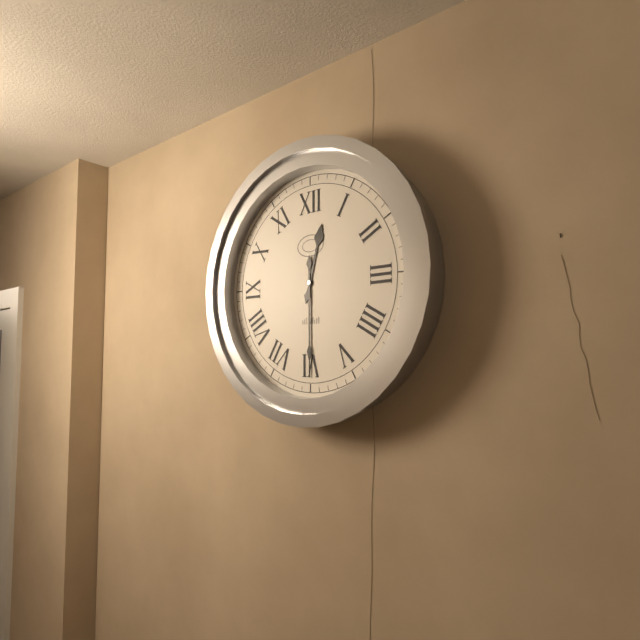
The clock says 12:30
